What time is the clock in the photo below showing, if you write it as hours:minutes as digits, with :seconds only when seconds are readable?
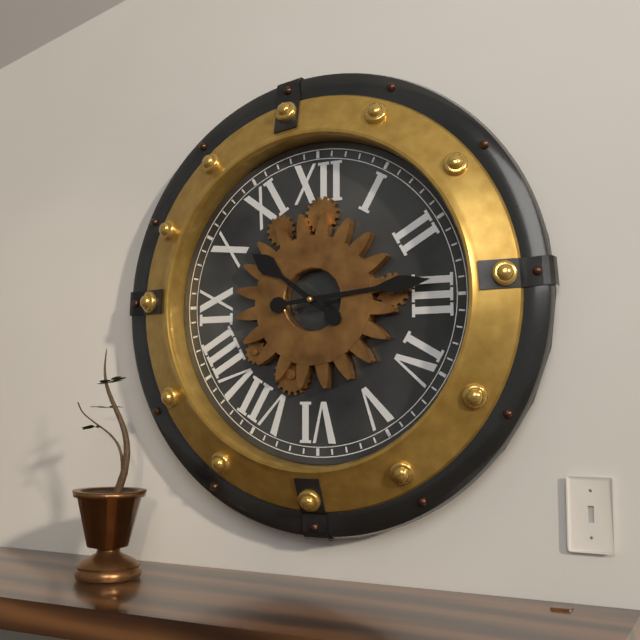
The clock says 10:14
